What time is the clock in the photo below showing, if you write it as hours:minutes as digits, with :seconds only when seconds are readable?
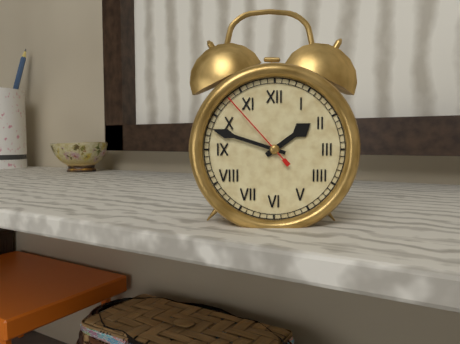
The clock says 1:48:53
